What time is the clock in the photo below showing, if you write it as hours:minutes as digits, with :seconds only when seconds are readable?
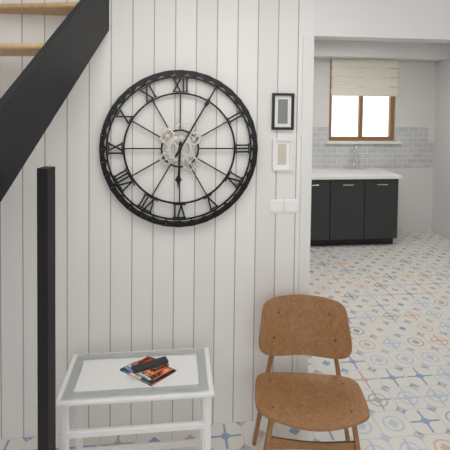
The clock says 6:05
